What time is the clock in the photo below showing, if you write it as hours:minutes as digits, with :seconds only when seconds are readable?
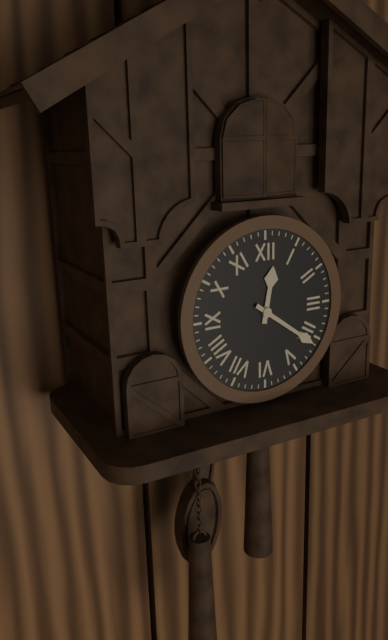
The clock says 12:21
